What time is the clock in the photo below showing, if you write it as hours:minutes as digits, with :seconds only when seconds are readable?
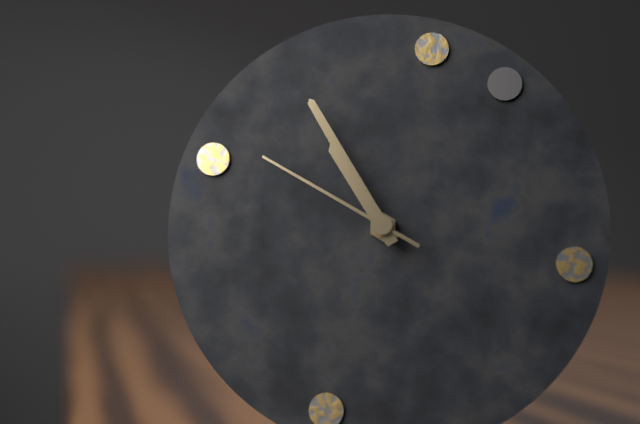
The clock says 10:55:50
